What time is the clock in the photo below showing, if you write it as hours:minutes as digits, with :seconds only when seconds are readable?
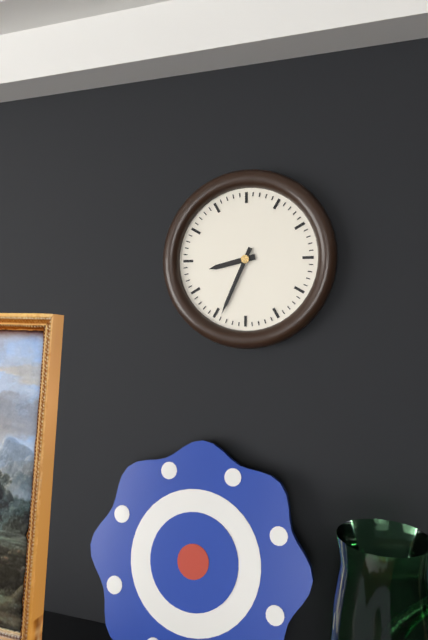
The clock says 8:34
